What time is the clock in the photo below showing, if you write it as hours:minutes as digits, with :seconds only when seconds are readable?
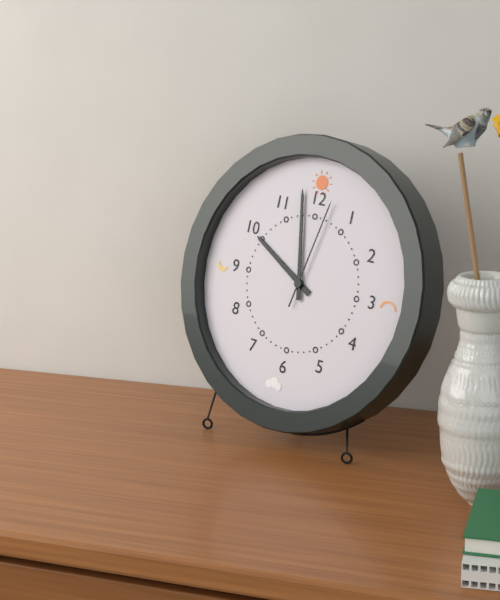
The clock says 9:58:02
